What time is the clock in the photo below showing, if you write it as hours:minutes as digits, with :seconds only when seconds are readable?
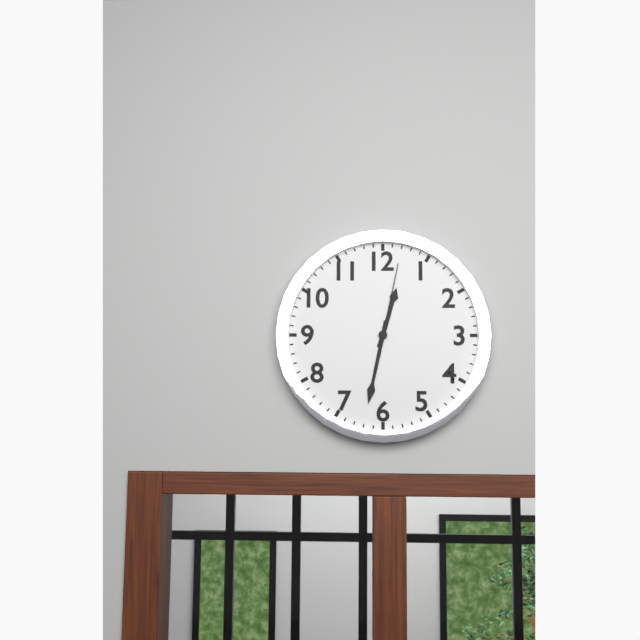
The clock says 12:32:02
